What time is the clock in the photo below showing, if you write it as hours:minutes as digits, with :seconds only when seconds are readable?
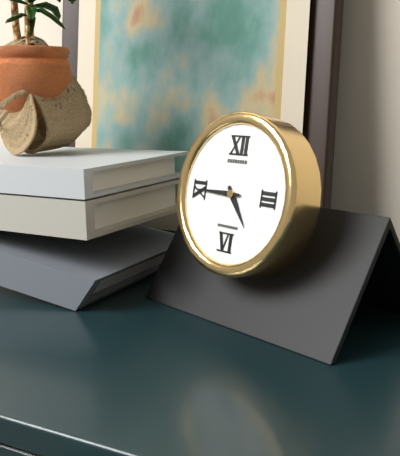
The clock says 4:45
